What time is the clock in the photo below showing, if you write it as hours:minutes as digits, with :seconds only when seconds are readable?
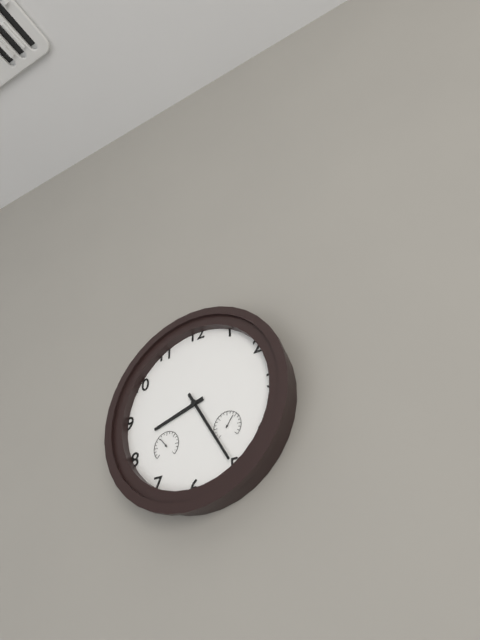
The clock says 8:25
